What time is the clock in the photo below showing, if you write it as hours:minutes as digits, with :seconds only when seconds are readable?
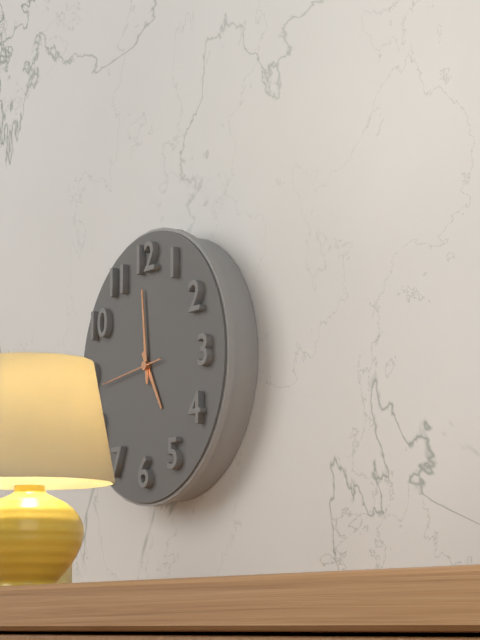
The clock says 4:59:44
